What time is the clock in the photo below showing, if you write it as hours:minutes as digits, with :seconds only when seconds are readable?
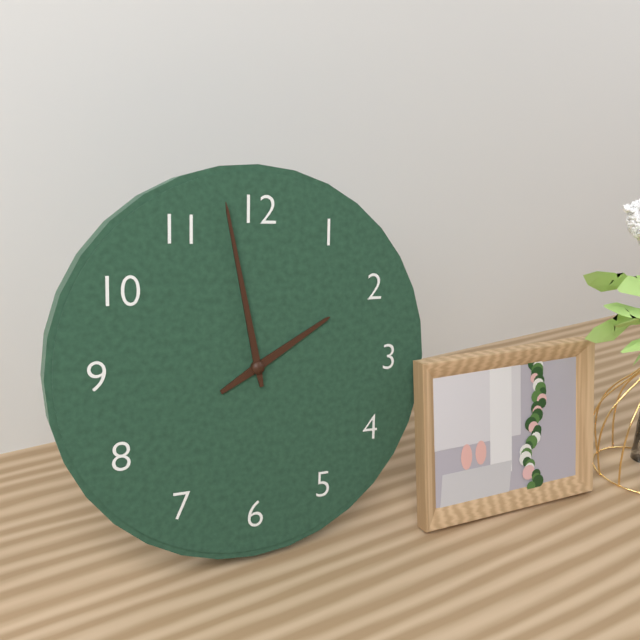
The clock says 1:58
